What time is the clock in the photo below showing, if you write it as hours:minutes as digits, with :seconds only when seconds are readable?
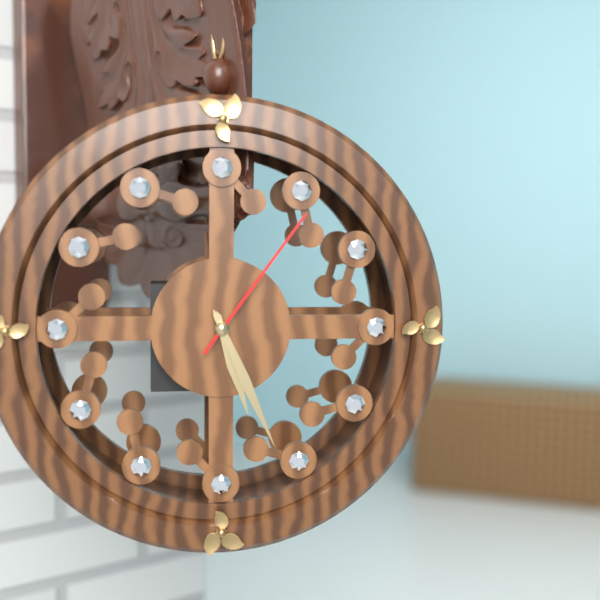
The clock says 5:26:06
